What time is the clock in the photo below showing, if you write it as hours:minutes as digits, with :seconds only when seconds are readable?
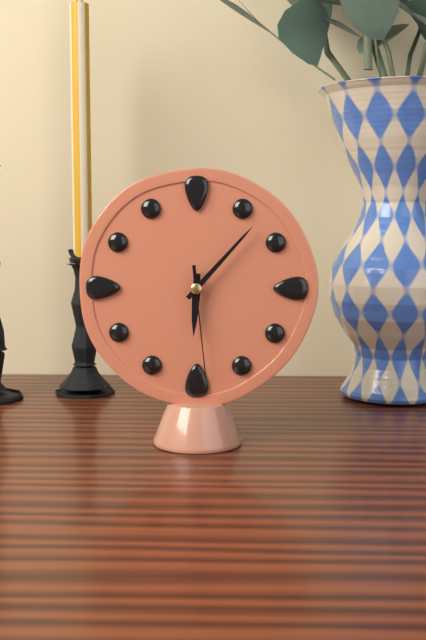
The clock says 6:07:29
